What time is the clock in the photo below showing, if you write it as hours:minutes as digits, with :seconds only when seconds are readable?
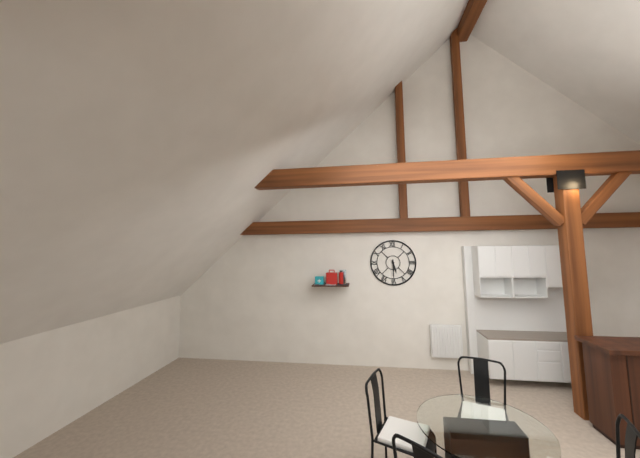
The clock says 5:30
